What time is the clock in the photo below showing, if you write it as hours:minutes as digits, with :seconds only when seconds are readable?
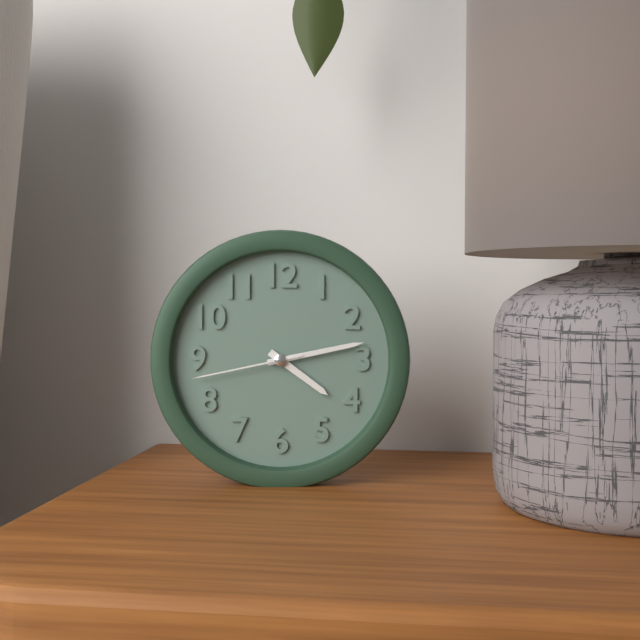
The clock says 4:13:43
